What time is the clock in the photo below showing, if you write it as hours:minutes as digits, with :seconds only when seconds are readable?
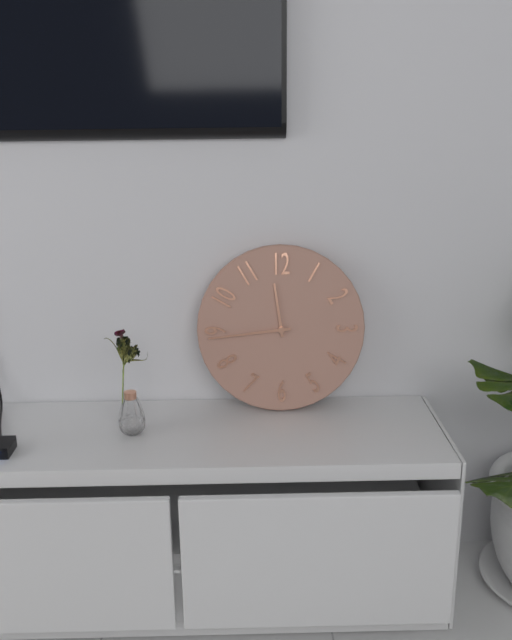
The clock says 11:44
